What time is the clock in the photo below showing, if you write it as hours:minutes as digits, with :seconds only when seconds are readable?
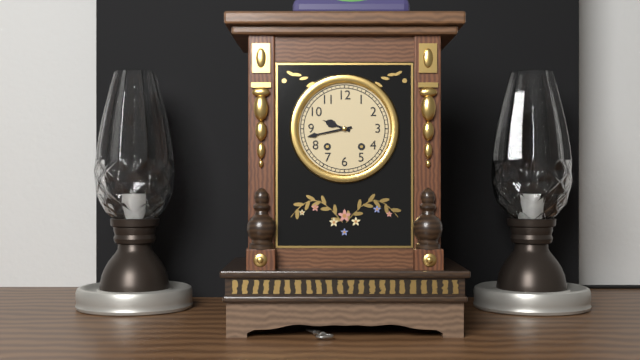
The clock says 9:43
